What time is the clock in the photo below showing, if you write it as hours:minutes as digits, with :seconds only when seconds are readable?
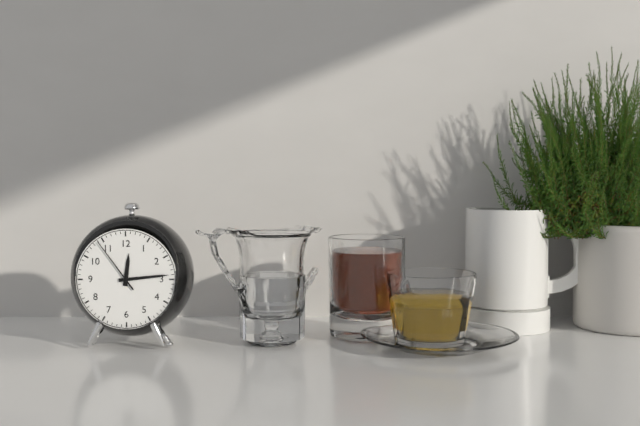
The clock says 12:14:54
